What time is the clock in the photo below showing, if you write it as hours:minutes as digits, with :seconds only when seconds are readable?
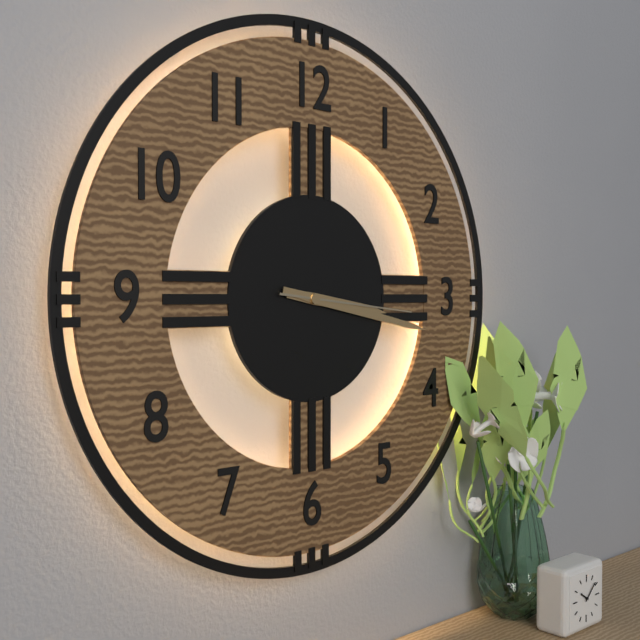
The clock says 3:17:16
